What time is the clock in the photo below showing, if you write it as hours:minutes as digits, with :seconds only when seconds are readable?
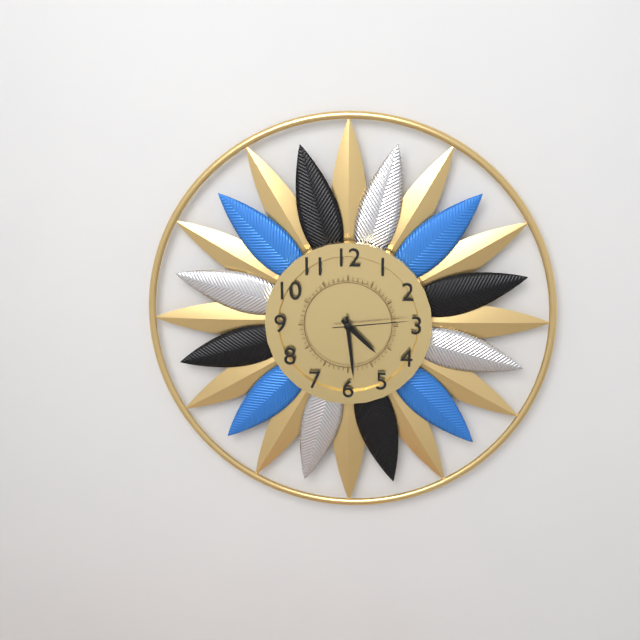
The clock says 4:29:14
